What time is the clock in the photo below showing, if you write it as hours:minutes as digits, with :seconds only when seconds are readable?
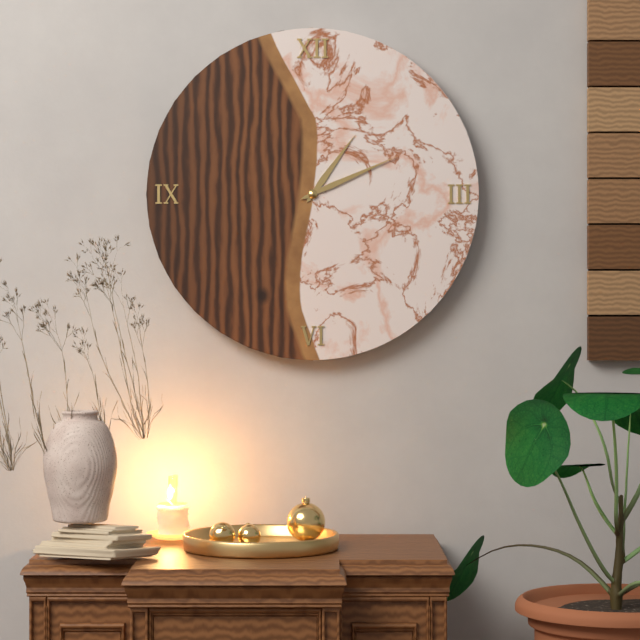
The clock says 1:11
